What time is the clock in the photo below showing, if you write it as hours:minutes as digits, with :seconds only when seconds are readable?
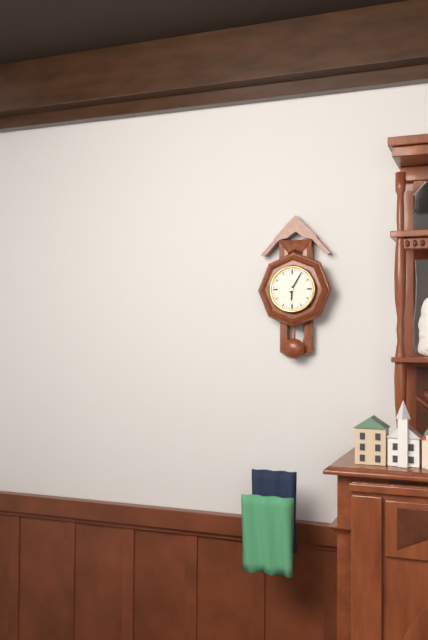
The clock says 6:05
